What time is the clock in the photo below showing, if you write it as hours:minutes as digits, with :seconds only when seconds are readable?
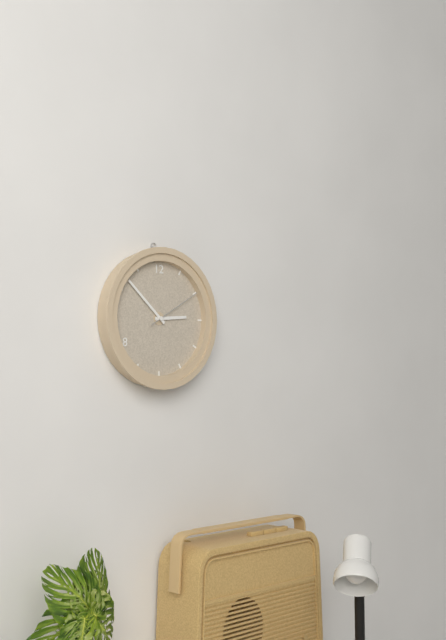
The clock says 2:52:10
